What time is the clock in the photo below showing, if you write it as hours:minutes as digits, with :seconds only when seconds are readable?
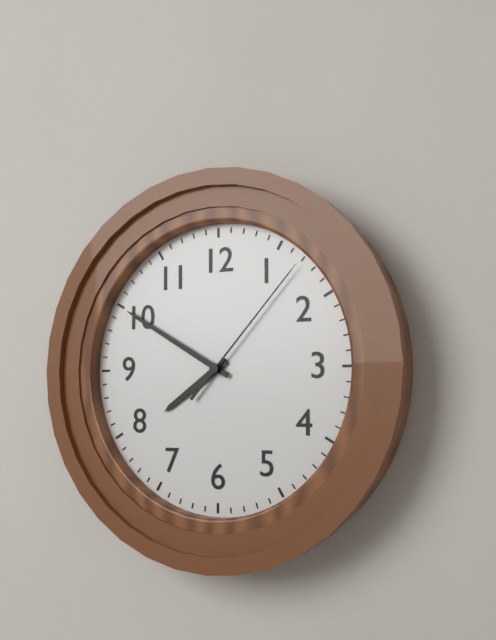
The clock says 7:50:07
